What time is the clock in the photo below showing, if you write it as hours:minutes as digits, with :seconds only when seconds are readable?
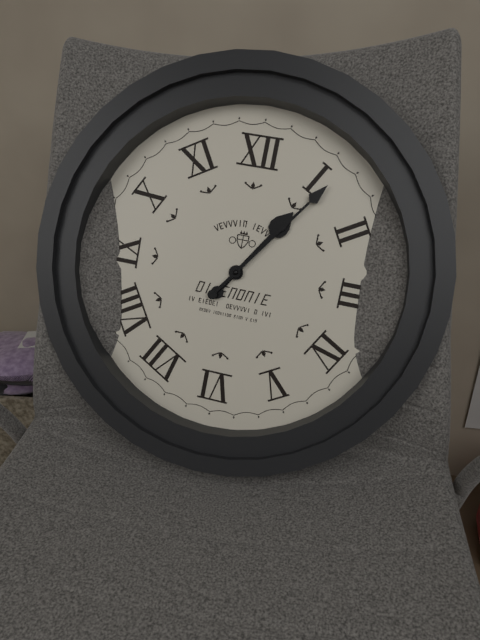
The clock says 1:06
